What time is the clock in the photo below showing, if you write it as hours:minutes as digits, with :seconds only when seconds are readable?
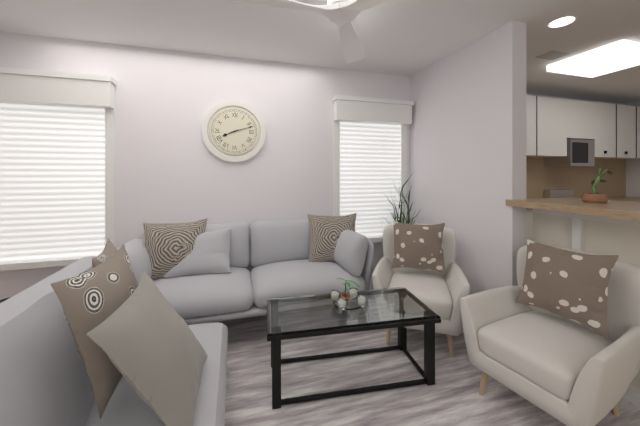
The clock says 8:12
